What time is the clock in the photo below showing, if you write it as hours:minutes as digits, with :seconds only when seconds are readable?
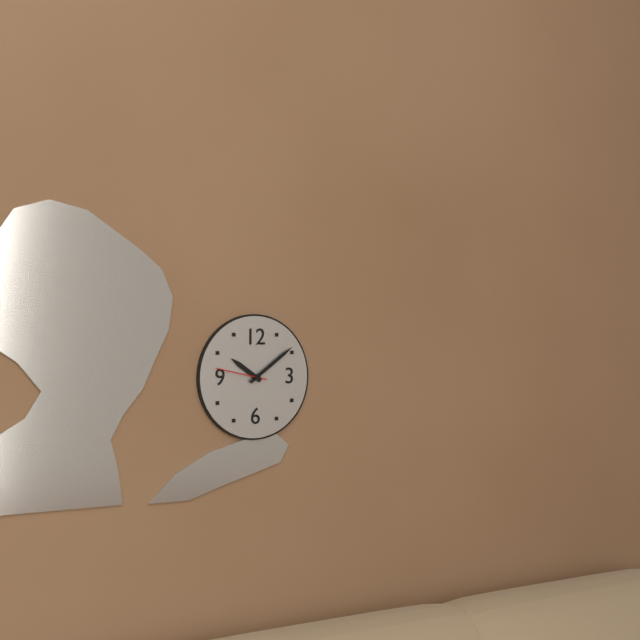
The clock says 10:09:47
